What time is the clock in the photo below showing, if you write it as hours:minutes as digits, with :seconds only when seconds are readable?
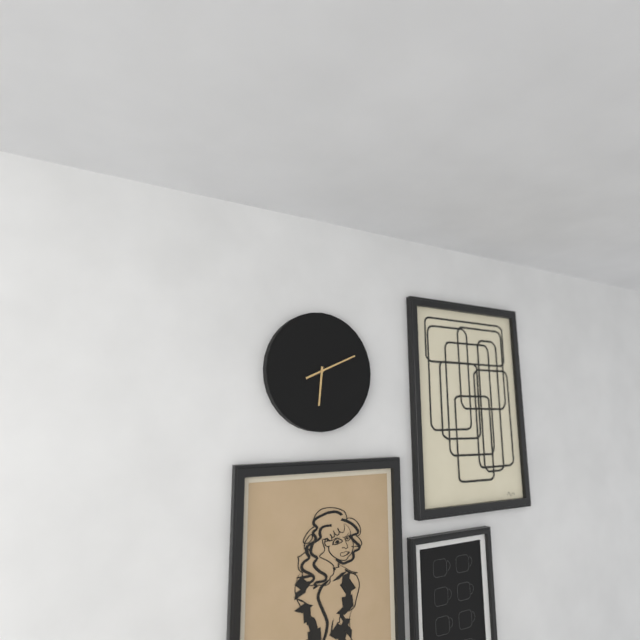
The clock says 6:11
